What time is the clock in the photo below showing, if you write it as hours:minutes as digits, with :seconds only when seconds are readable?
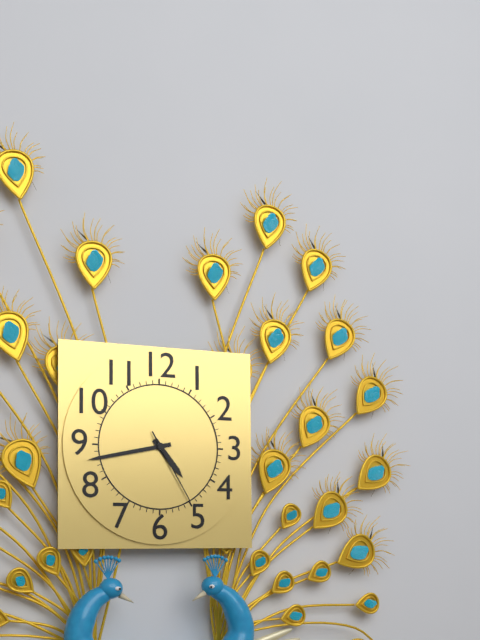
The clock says 4:43:25
